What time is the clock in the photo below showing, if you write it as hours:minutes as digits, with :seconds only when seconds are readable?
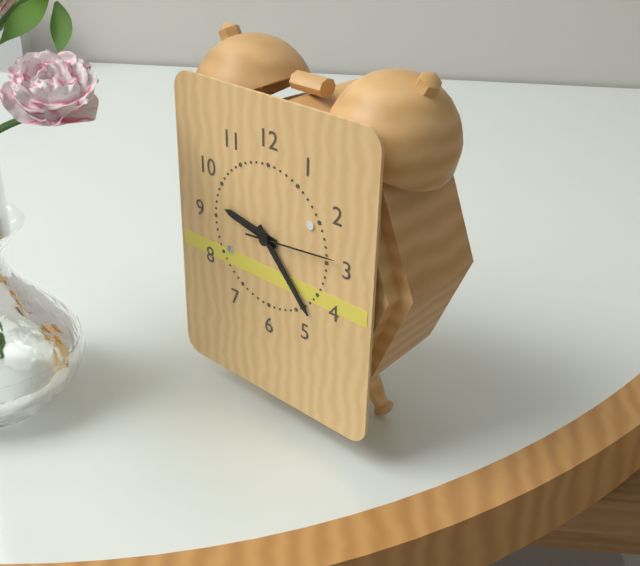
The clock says 9:23:14
